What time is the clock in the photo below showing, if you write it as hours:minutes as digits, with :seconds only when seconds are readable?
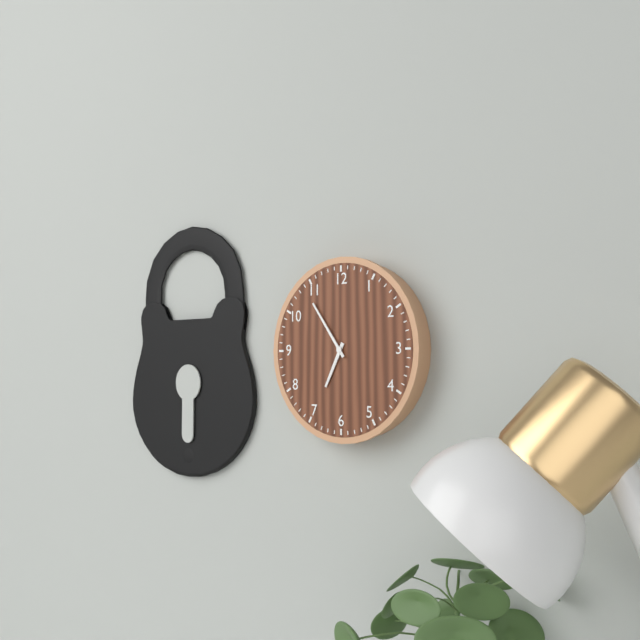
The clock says 6:54
